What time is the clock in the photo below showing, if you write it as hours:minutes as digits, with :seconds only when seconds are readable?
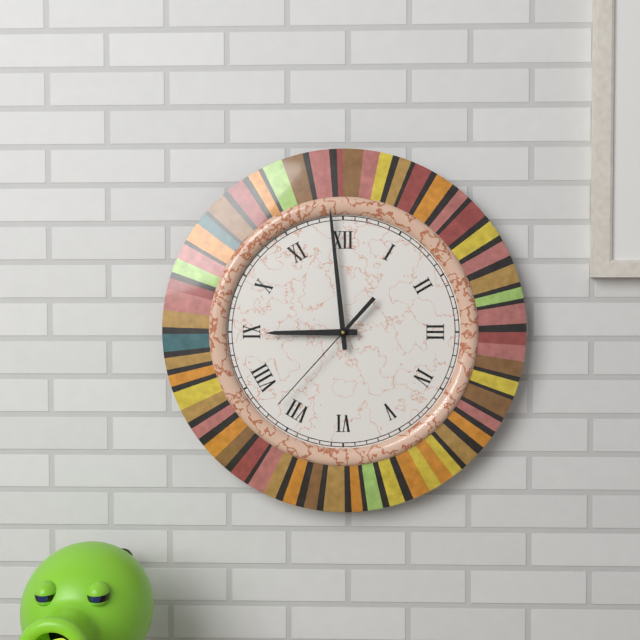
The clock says 8:59:37
